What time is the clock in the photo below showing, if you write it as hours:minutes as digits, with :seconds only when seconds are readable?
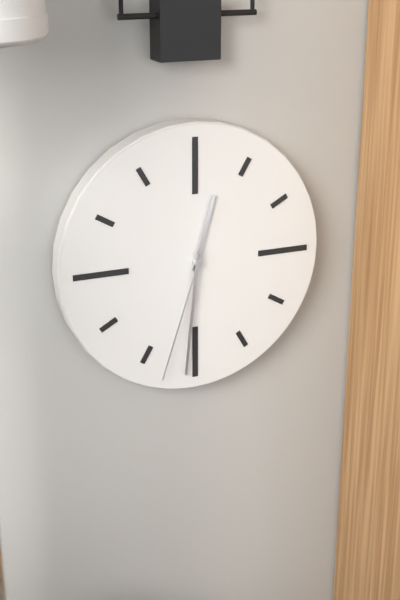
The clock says 12:31:33
